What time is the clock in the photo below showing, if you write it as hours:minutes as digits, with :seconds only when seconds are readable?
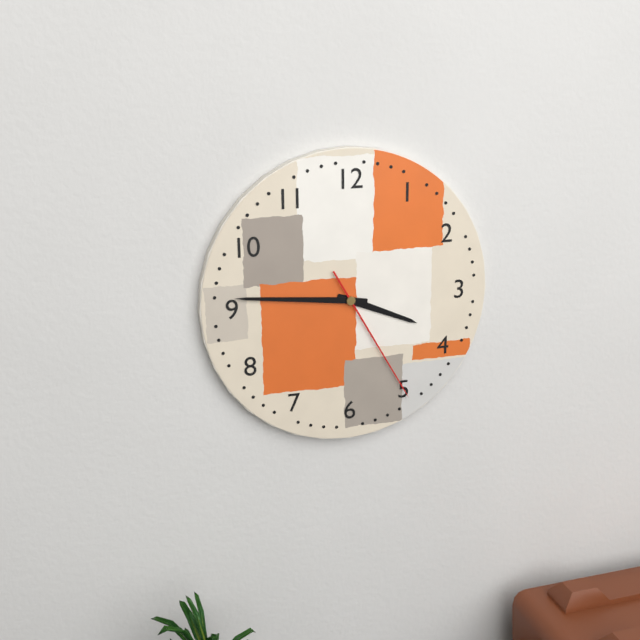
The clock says 3:46:25
